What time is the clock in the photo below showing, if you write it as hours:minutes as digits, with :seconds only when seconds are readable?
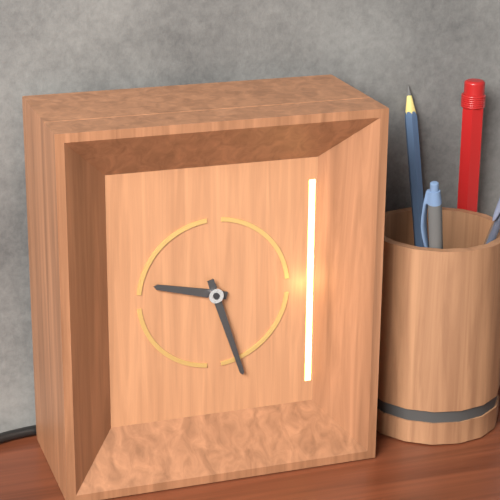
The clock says 9:27
